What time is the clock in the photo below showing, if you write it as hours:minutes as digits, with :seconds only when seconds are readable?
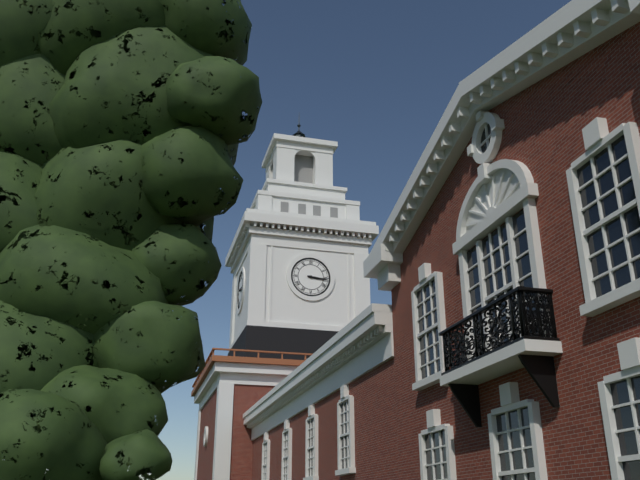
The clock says 3:16
